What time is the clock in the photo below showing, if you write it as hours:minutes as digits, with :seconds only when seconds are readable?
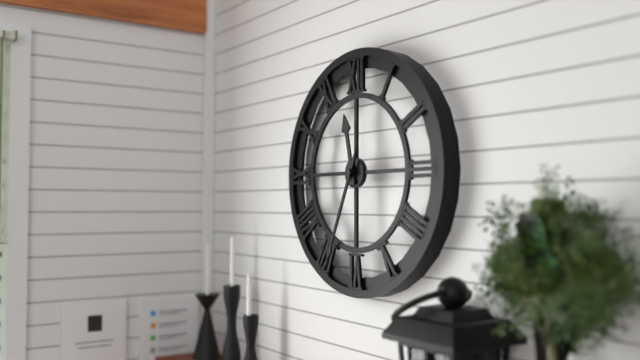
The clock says 11:34
